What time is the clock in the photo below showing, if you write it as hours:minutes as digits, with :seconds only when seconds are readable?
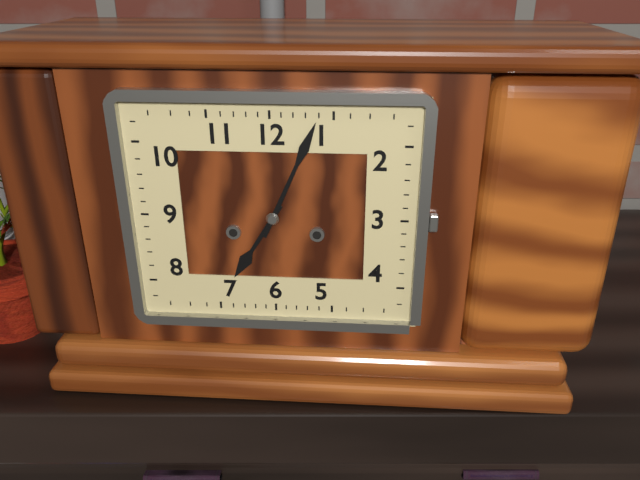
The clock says 7:04
